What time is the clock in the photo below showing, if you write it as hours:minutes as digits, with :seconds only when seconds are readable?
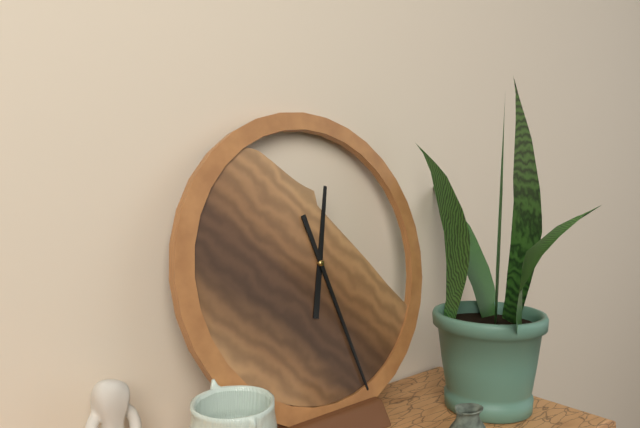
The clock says 12:27
